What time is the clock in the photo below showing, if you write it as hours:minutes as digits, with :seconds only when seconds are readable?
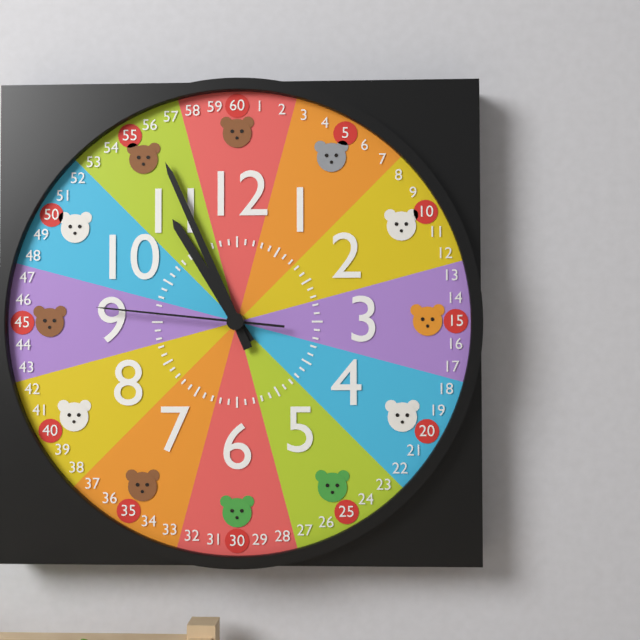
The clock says 10:56:46
